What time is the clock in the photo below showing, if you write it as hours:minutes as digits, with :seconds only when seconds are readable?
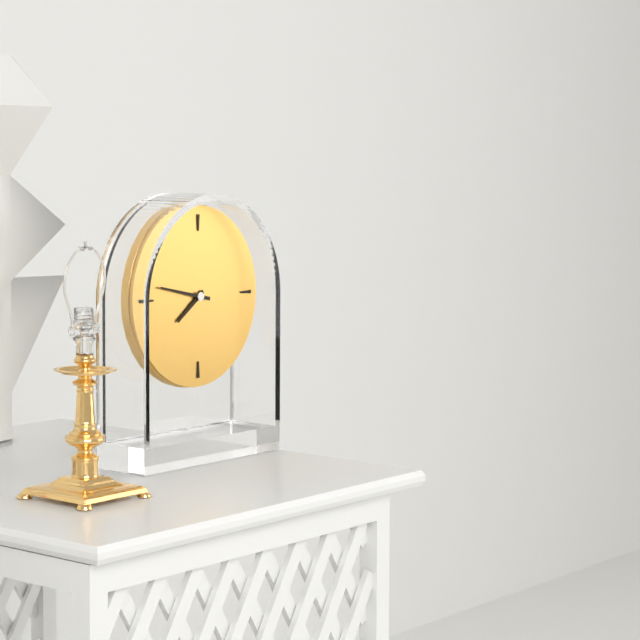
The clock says 7:47
